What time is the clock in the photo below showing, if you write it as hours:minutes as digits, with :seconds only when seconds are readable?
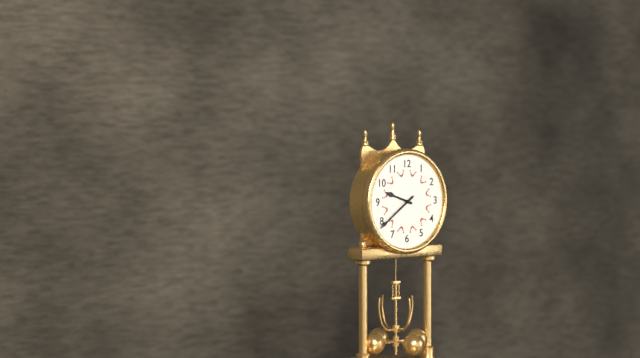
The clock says 9:39
